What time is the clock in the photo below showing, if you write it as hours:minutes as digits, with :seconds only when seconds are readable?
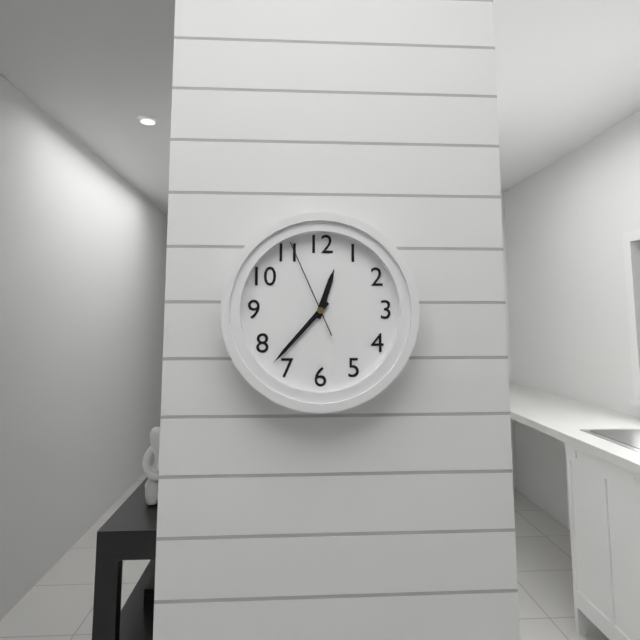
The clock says 12:37:56
